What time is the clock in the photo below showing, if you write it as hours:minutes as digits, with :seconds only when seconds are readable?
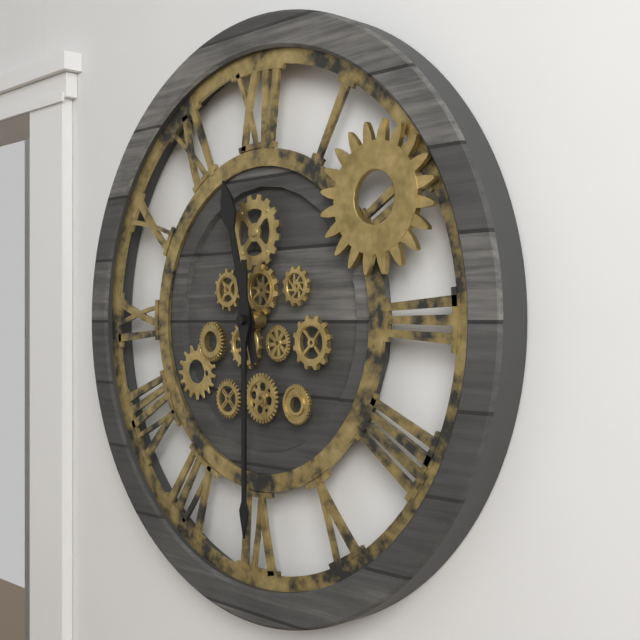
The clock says 11:30
